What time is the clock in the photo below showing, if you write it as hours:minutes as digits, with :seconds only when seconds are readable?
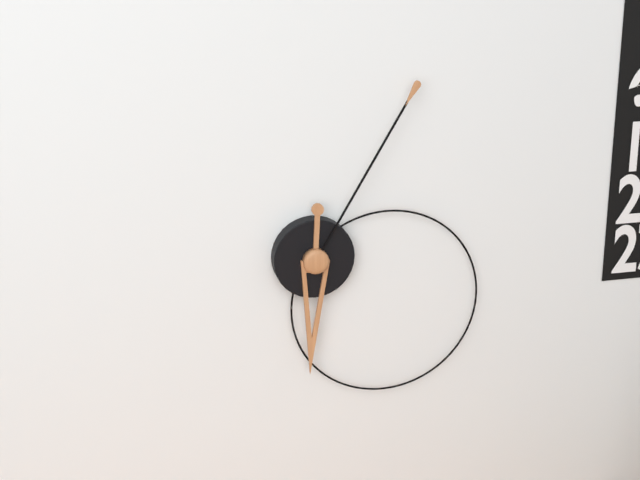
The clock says 6:05
